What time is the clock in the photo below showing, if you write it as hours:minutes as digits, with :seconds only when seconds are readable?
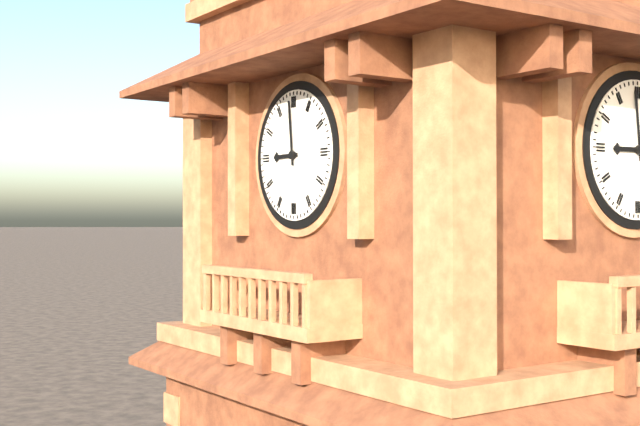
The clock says 8:59
